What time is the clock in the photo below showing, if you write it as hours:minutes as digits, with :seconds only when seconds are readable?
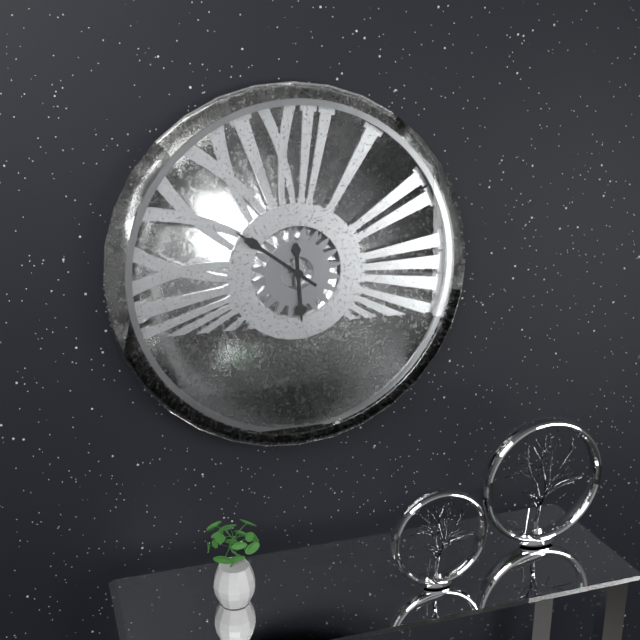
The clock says 5:51
